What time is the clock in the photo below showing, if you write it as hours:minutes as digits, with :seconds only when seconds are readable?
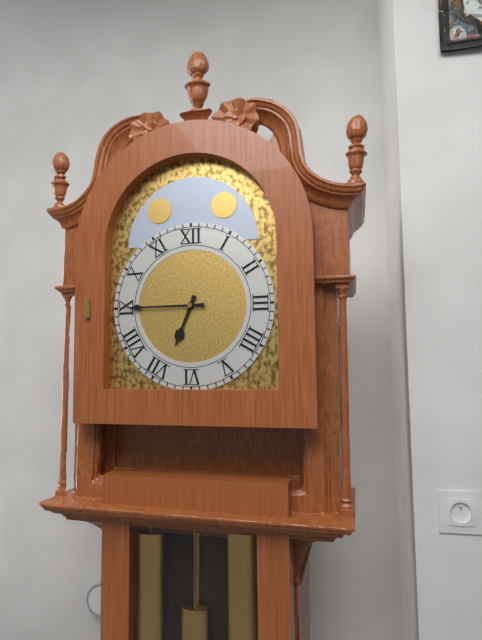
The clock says 6:45
